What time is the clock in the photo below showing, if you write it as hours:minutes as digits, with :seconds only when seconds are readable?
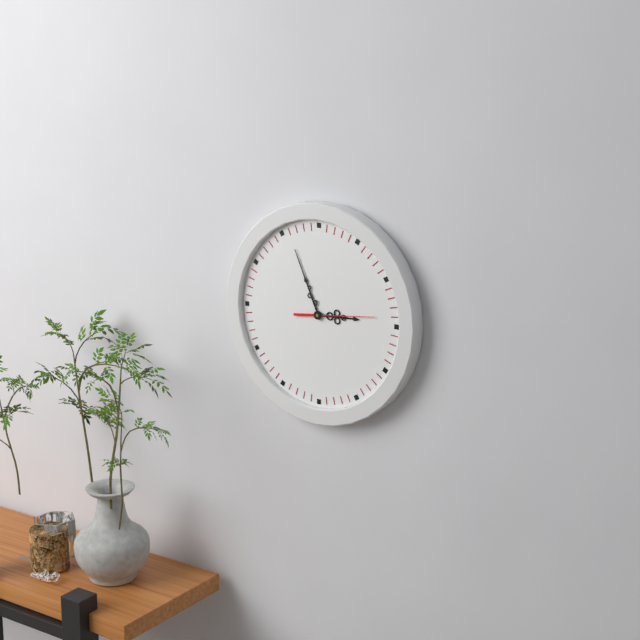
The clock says 2:56:14
